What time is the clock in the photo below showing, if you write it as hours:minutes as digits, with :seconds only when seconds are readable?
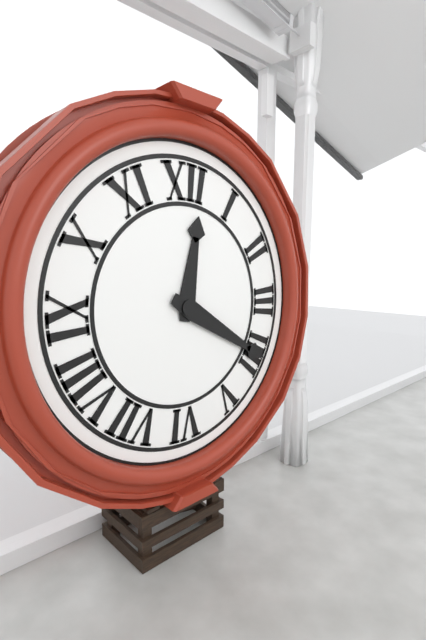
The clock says 12:20
